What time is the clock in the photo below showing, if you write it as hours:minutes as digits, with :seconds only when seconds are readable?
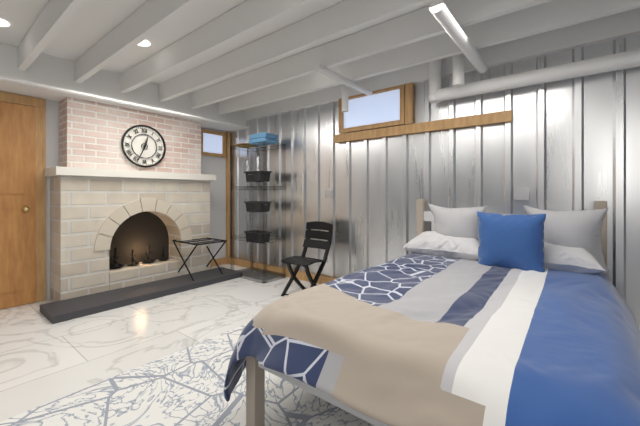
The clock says 12:34
